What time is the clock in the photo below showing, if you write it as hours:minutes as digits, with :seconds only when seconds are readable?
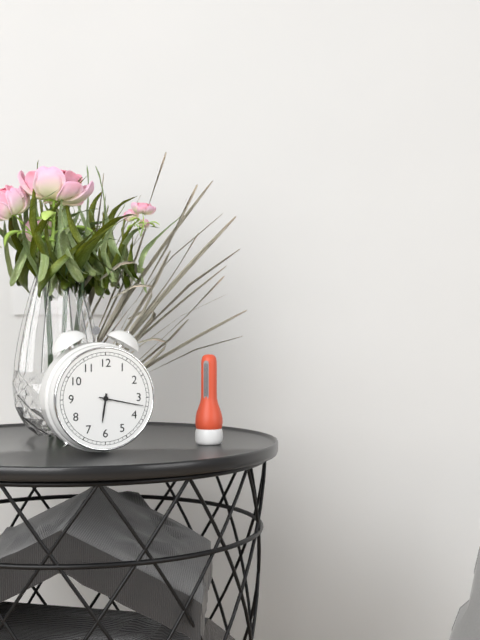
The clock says 6:17
